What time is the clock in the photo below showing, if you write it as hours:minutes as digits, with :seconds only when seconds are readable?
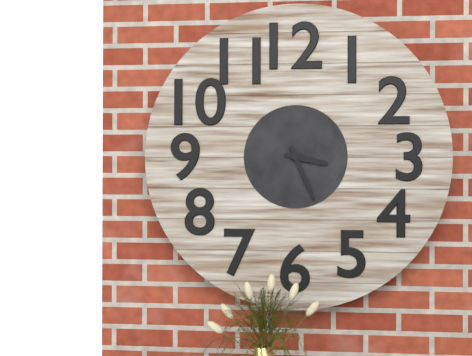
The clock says 3:26
